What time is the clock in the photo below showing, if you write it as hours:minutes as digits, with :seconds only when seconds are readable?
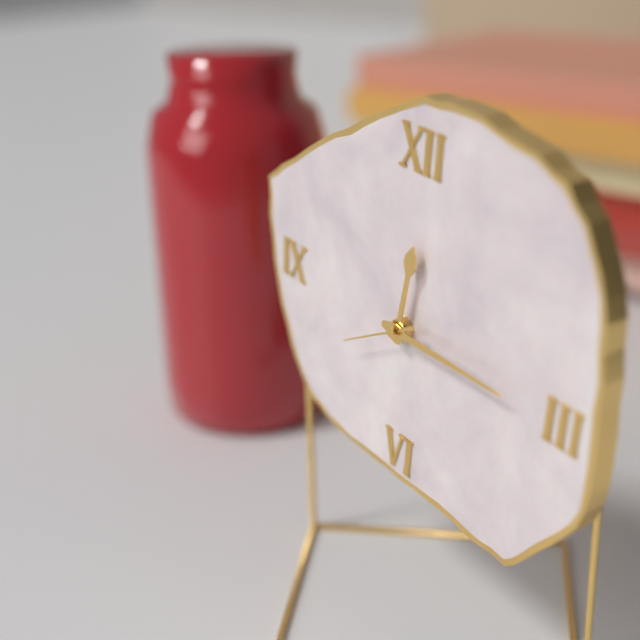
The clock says 12:15:40
